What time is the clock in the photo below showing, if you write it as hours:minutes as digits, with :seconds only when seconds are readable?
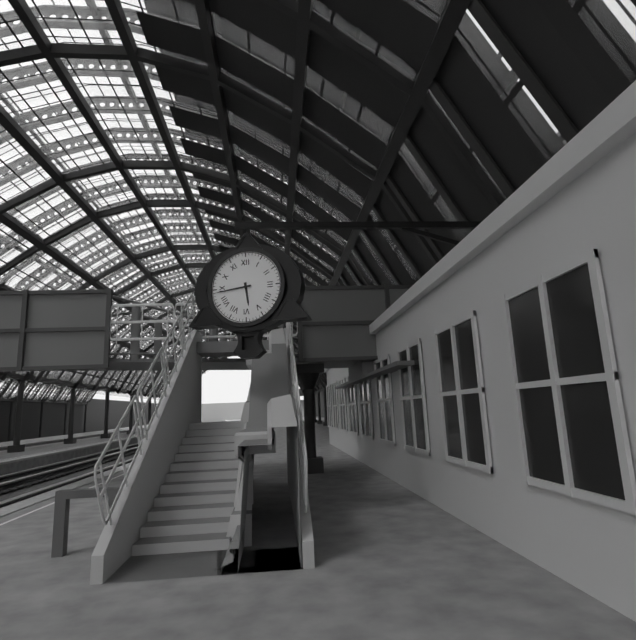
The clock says 5:44
